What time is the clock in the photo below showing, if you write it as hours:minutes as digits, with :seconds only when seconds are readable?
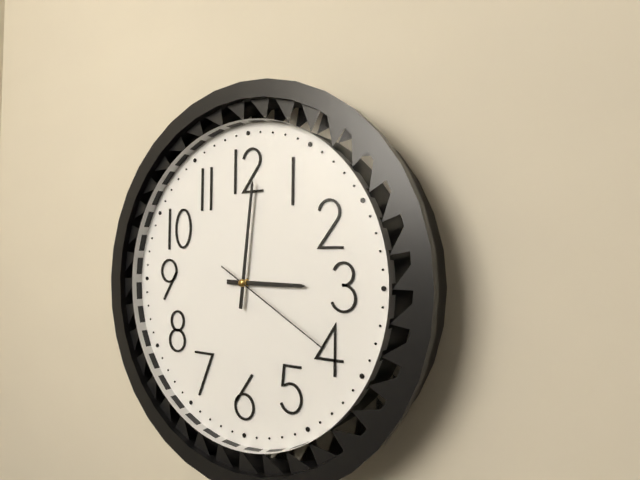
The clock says 3:01:20
